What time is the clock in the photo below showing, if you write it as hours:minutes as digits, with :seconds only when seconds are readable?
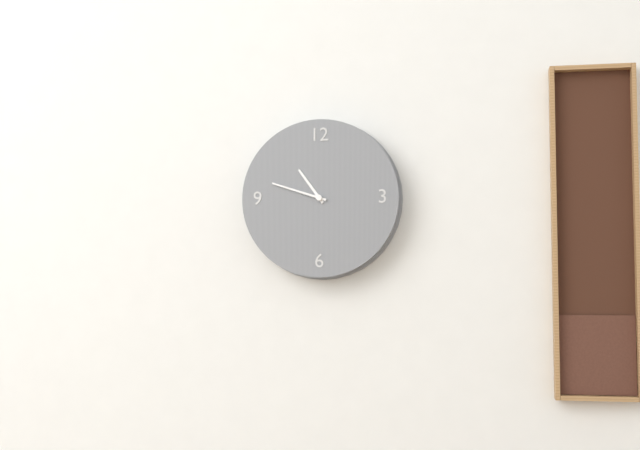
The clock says 10:48
